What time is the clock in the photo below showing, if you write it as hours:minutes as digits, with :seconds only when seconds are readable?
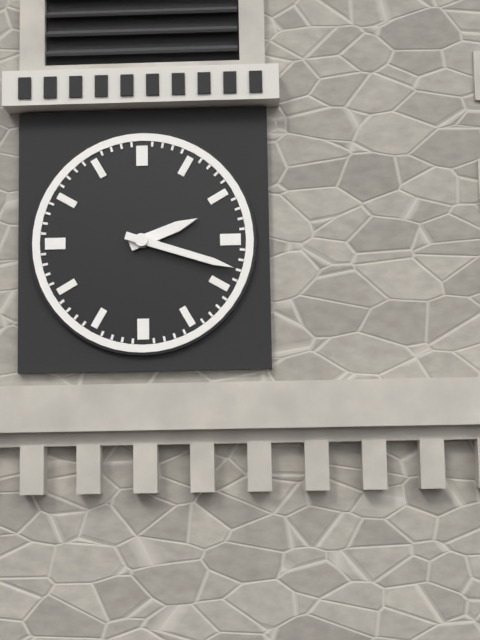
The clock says 2:18
